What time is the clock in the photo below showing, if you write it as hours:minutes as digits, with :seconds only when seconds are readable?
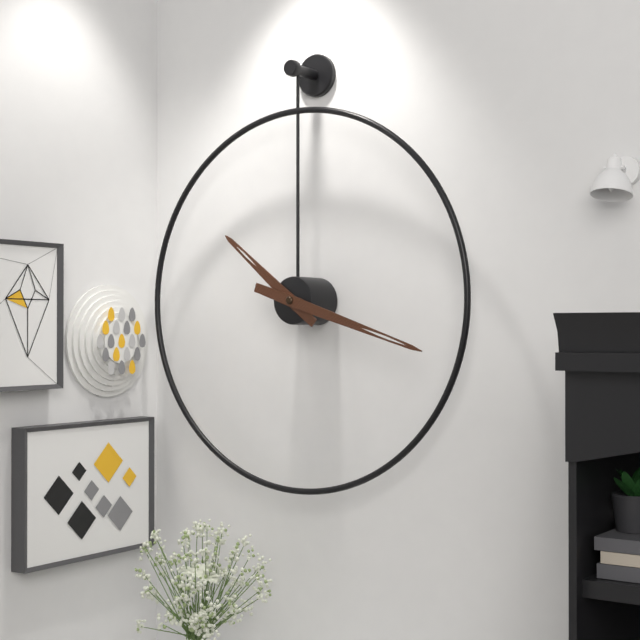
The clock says 10:18
